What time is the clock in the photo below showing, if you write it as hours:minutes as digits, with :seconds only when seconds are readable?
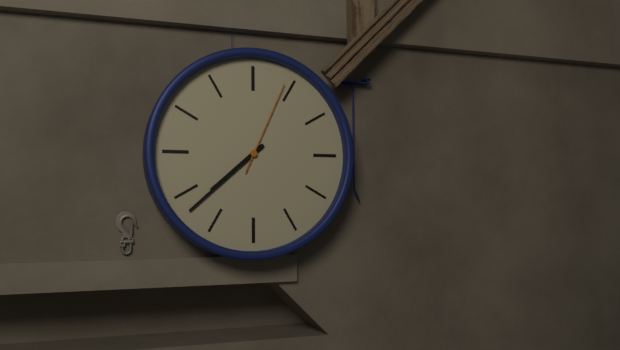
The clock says 7:38:04
